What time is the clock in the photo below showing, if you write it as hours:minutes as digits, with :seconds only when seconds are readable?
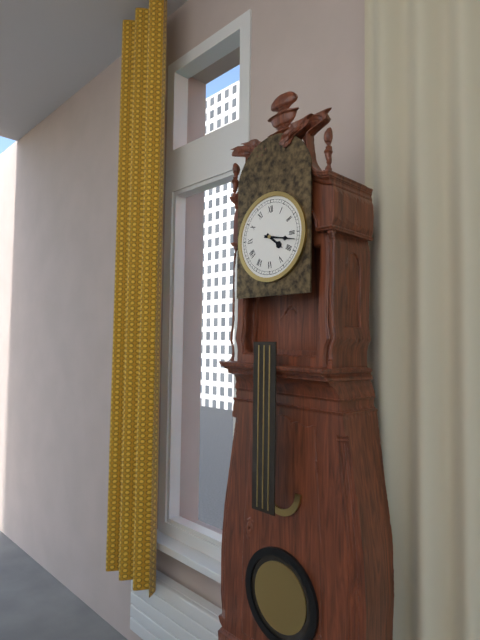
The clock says 4:17
